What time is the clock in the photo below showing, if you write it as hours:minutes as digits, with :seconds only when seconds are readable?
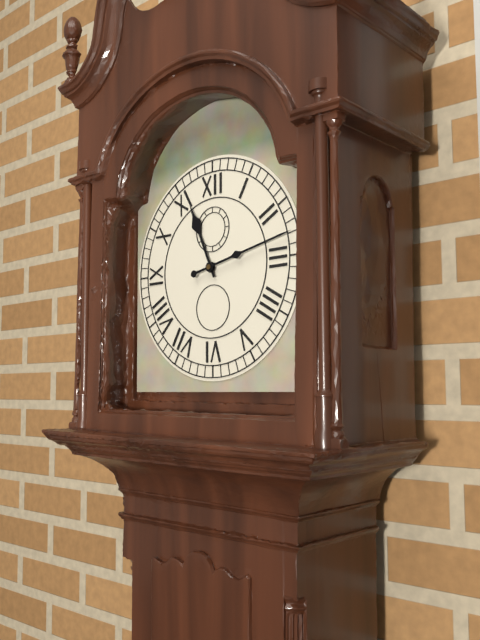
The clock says 11:13
